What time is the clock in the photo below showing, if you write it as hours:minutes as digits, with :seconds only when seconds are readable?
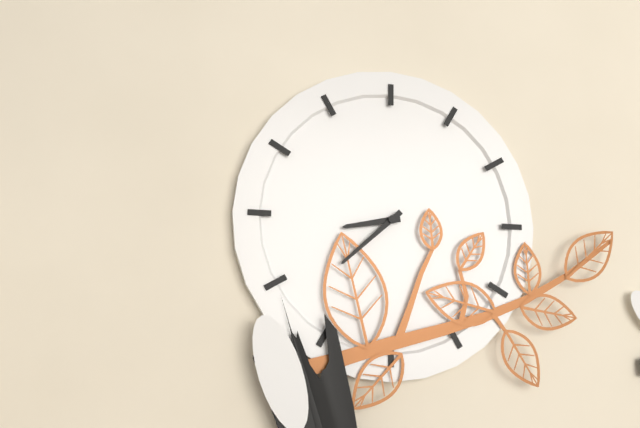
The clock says 8:38
